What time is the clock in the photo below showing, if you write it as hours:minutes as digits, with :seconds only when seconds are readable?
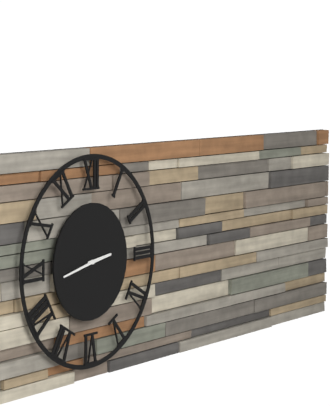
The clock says 2:43
